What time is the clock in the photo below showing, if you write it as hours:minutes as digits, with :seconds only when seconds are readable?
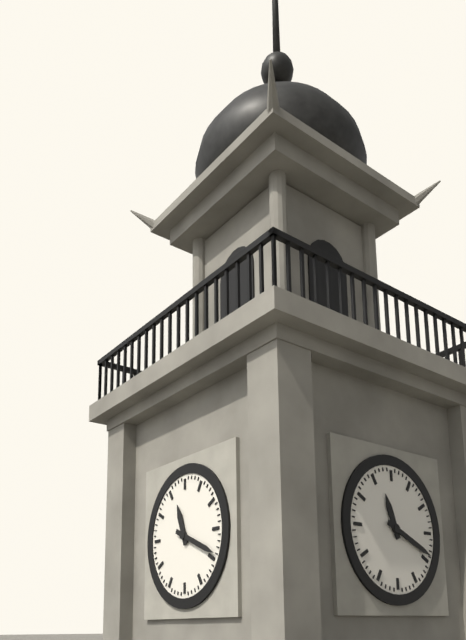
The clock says 11:19
